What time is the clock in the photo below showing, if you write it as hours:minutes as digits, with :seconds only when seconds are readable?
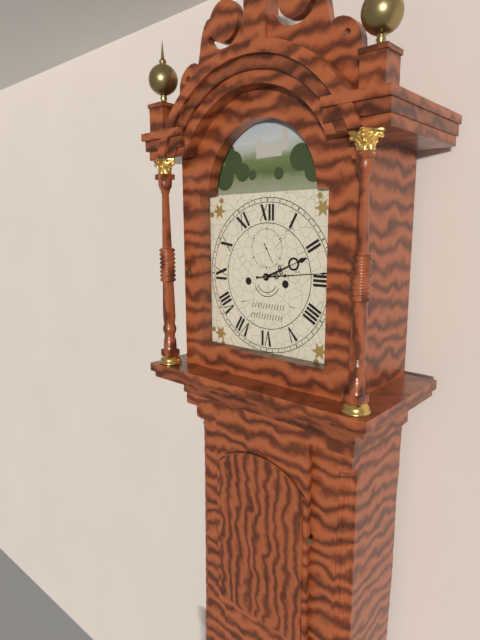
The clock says 2:14
